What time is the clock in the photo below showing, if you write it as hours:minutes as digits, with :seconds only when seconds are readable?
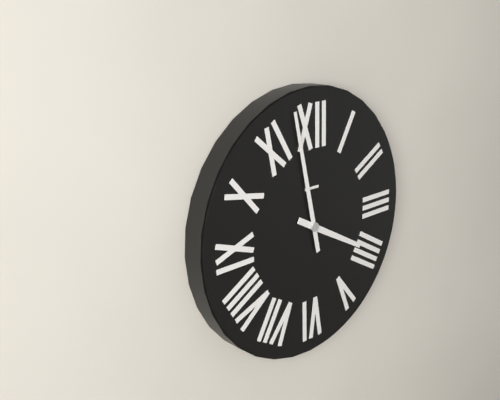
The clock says 3:58
